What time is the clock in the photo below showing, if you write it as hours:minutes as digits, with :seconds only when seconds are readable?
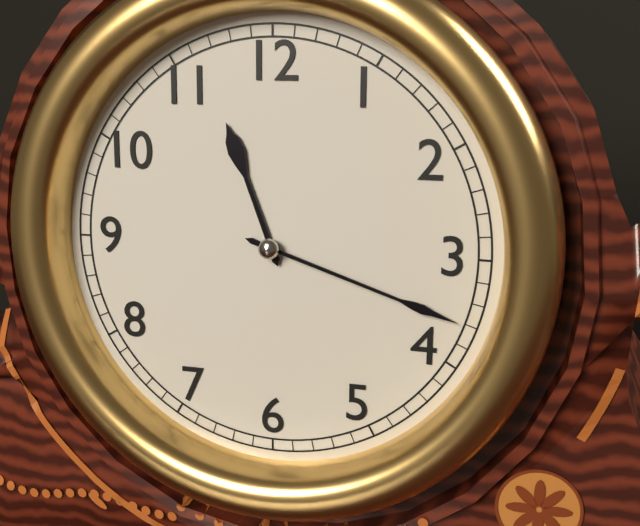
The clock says 11:18
